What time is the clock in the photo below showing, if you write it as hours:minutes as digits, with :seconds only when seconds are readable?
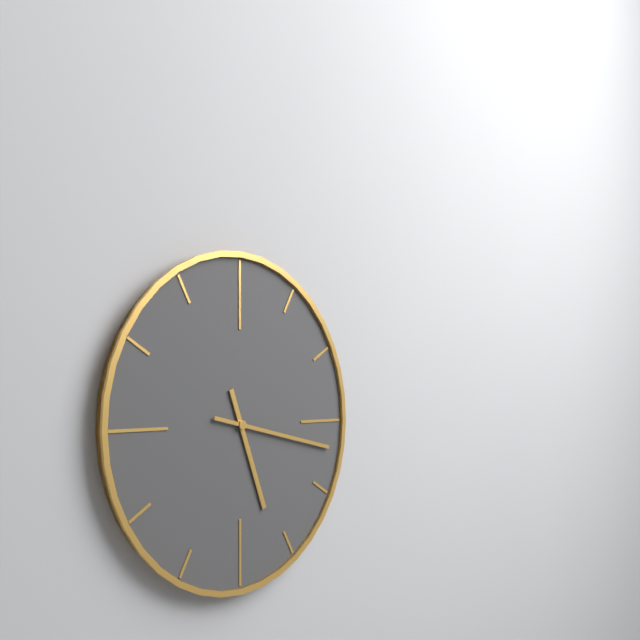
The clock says 5:17
